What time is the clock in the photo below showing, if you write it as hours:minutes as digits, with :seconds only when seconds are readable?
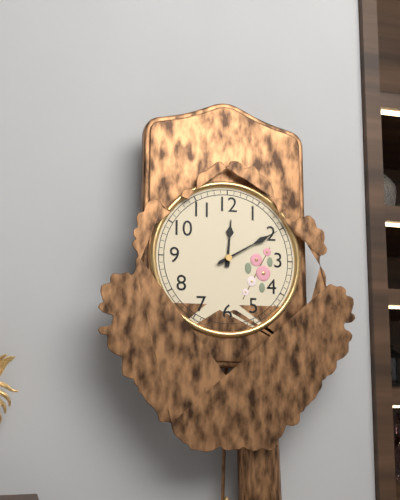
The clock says 12:10
